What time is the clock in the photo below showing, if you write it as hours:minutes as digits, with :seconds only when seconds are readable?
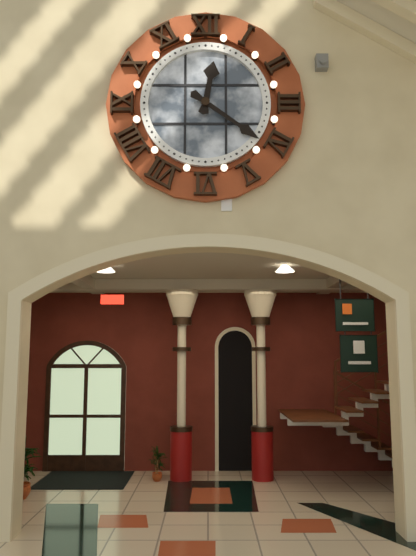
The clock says 12:21
